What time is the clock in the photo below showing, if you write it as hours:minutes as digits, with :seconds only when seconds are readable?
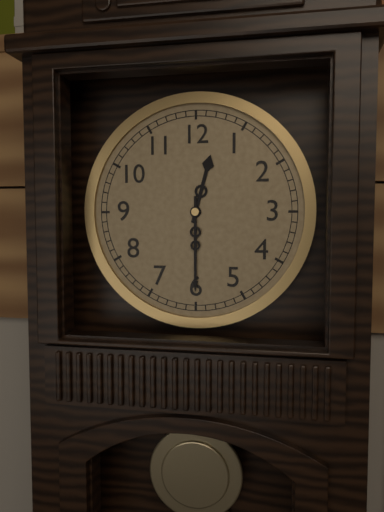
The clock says 12:30
